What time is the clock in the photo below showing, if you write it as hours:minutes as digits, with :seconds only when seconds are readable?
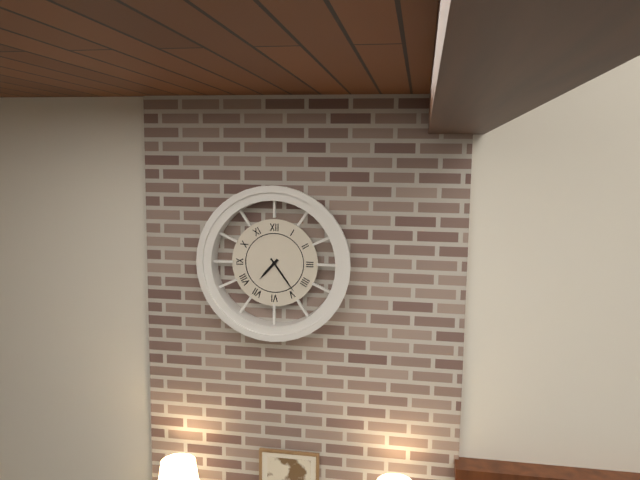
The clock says 7:24
